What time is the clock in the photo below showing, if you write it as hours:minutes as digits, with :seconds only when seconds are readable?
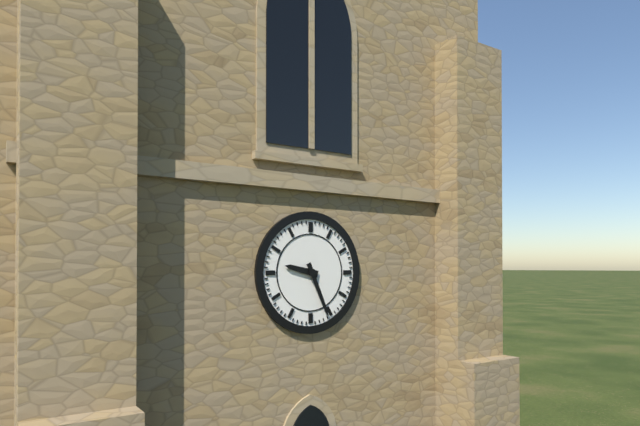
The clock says 9:26
